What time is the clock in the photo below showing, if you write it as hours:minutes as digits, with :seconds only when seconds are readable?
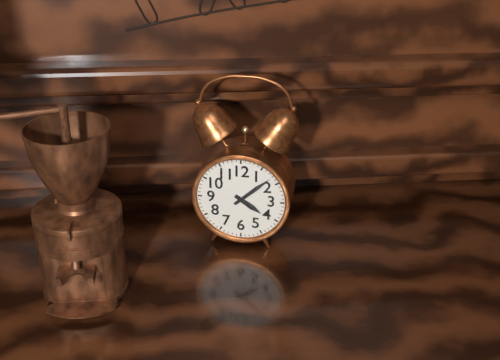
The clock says 4:08
